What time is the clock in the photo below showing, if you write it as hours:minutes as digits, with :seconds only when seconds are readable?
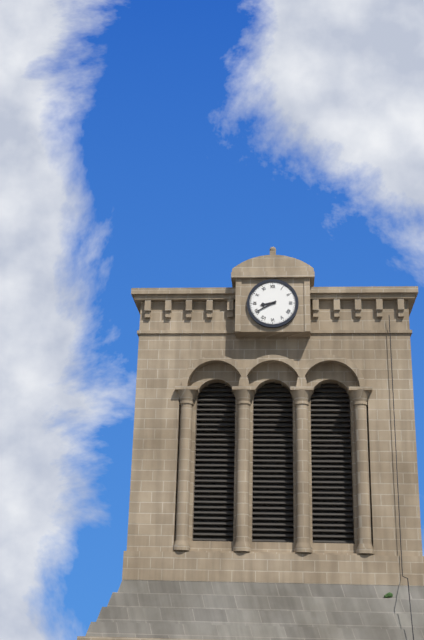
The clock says 8:40
